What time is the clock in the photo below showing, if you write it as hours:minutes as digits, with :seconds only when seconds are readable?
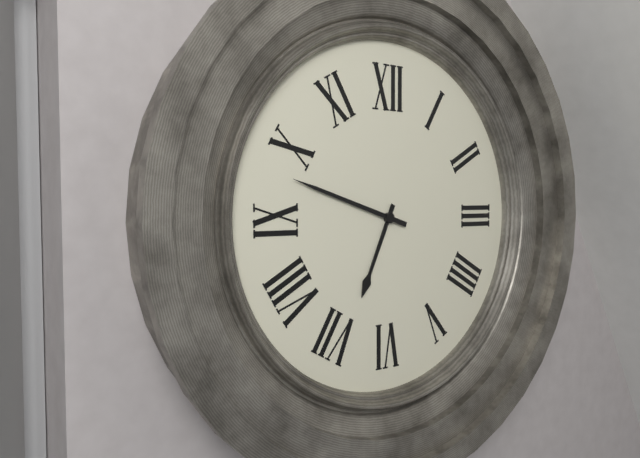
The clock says 6:48
